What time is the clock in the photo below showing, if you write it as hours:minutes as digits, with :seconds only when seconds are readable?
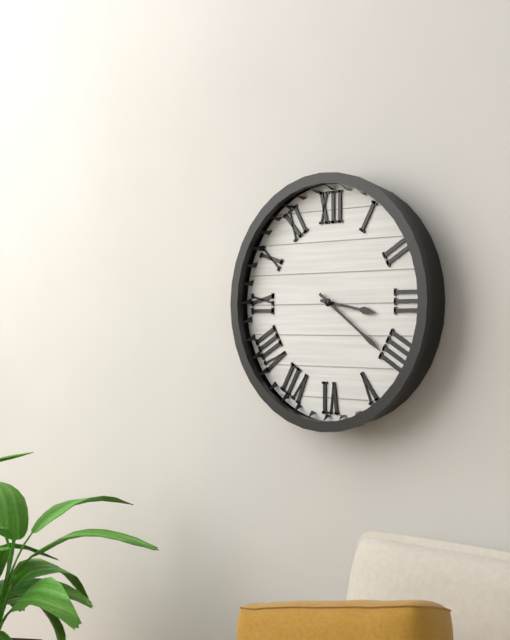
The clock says 3:21
